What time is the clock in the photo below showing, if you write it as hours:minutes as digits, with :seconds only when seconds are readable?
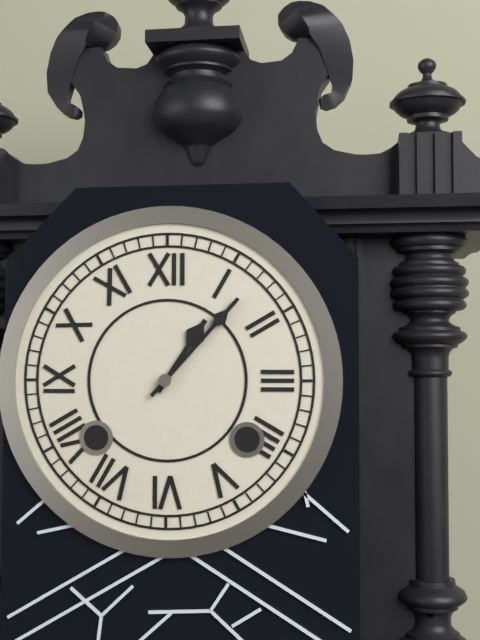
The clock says 1:07
